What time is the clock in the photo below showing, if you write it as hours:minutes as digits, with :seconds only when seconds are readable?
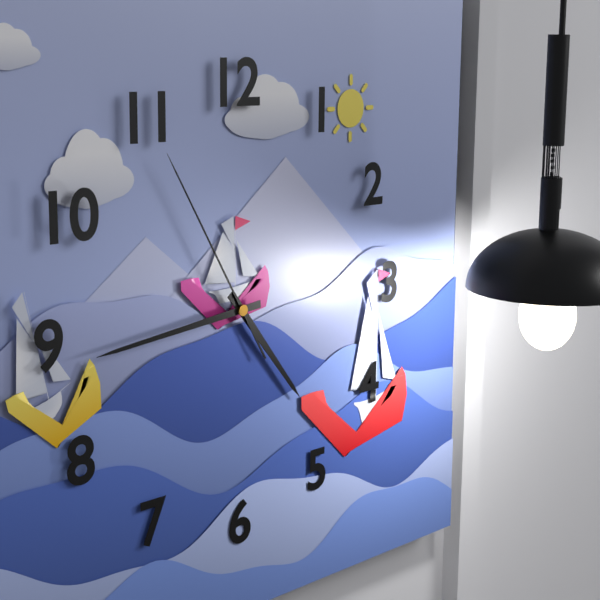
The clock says 4:44:55
